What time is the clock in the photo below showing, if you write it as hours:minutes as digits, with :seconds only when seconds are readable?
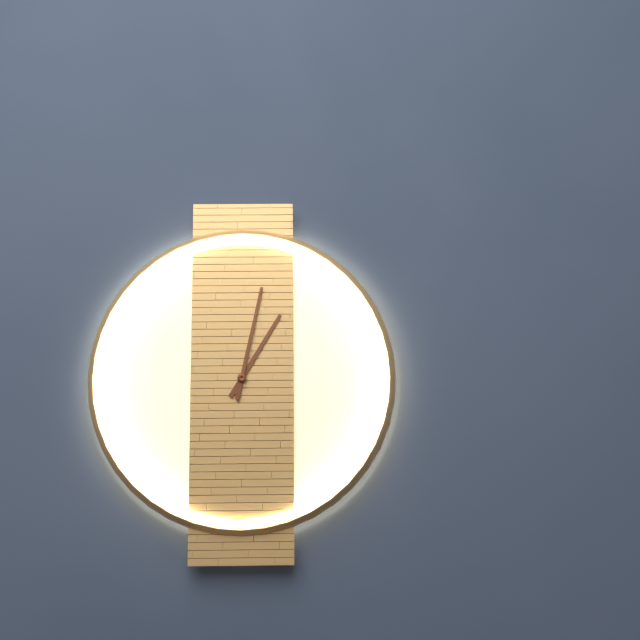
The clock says 1:02
